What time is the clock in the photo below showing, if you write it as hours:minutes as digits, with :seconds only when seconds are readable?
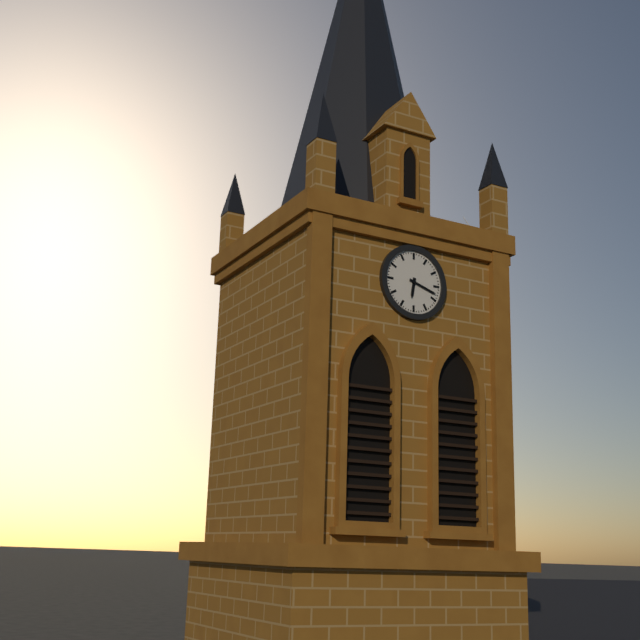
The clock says 6:18
